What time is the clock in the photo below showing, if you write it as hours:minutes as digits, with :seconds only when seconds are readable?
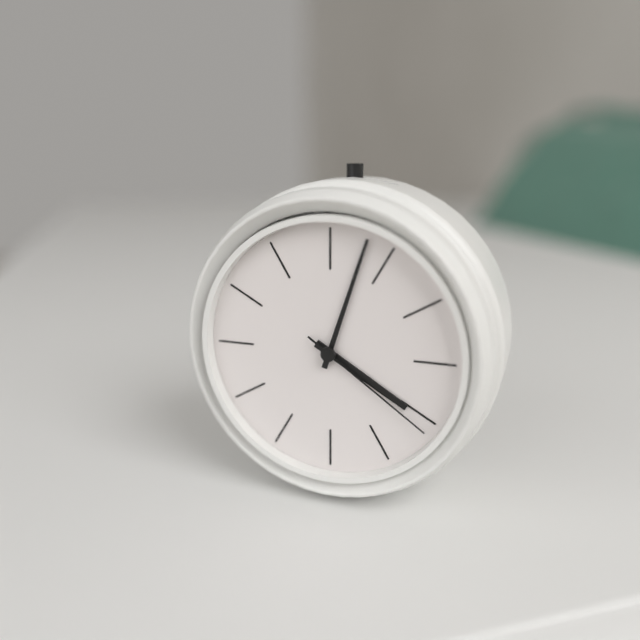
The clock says 4:03:21
